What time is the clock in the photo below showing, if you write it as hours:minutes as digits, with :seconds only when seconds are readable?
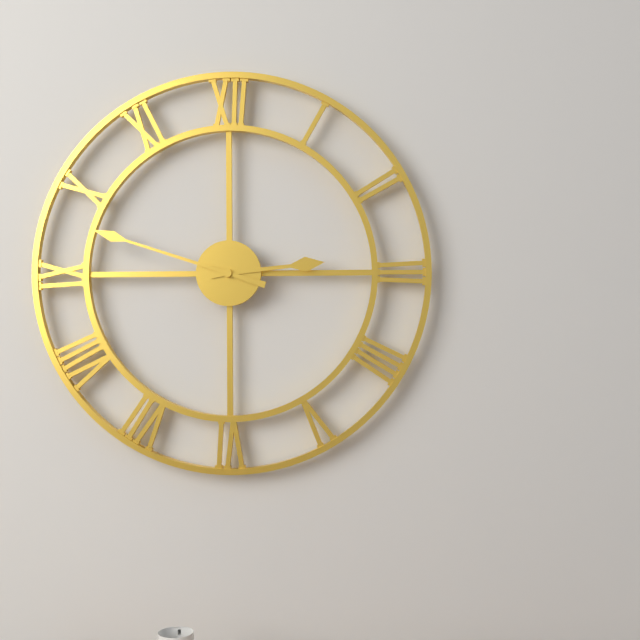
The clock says 2:48
